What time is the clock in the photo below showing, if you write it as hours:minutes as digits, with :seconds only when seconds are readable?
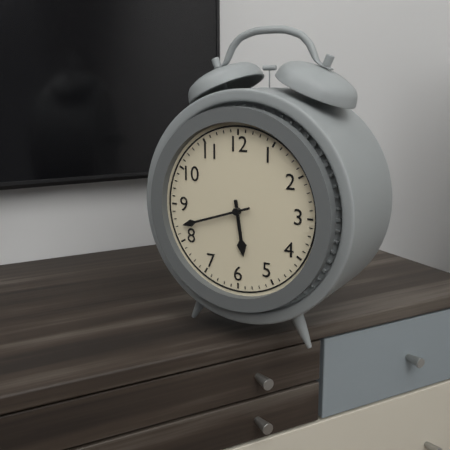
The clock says 5:42
